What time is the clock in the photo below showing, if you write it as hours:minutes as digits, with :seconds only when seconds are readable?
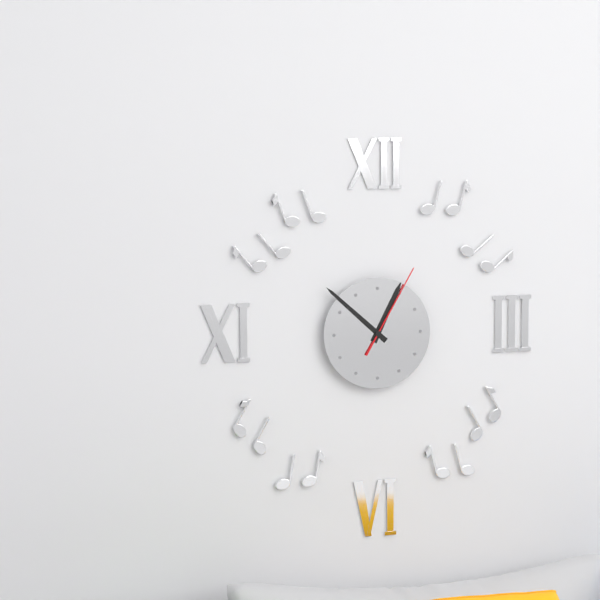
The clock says 12:52:05
